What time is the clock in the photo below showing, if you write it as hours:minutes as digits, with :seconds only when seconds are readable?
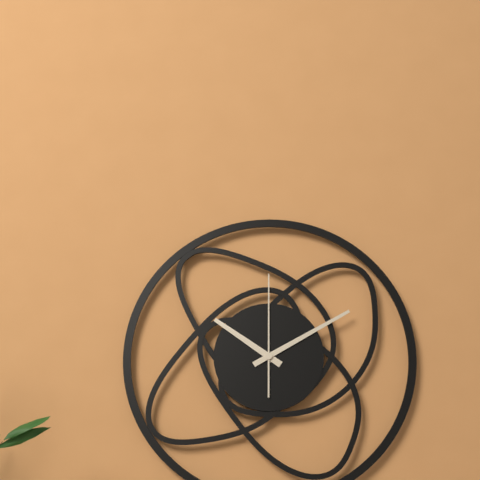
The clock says 10:10:00
